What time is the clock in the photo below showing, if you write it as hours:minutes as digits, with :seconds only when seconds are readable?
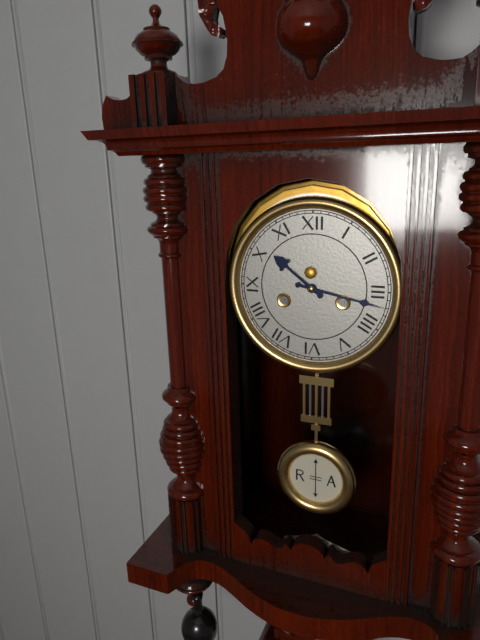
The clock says 10:17
